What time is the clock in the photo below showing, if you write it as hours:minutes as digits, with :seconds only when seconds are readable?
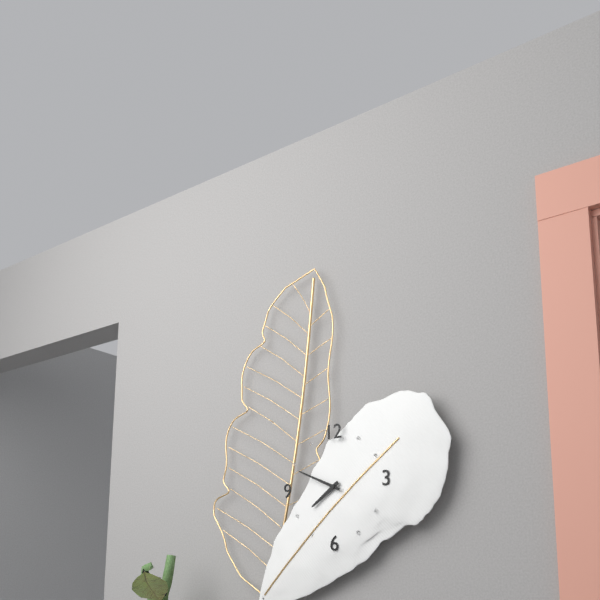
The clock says 7:49
